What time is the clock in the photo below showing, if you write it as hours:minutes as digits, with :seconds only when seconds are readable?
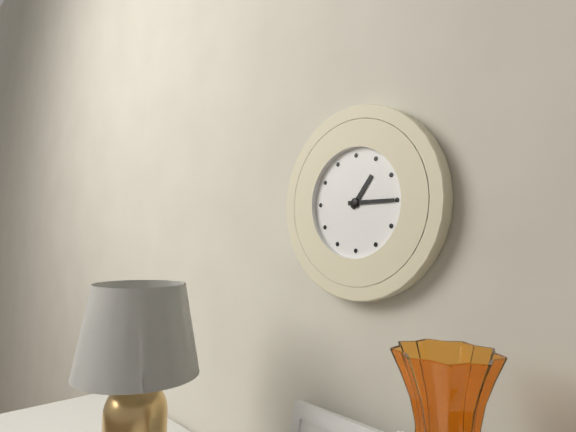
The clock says 1:15
